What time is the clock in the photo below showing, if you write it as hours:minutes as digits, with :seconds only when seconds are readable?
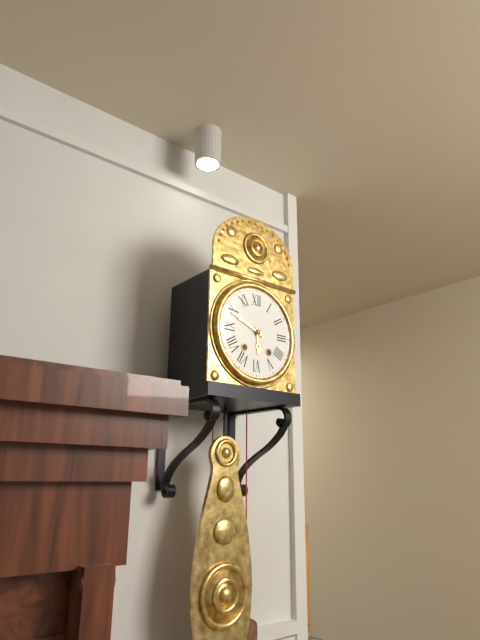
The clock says 5:49
